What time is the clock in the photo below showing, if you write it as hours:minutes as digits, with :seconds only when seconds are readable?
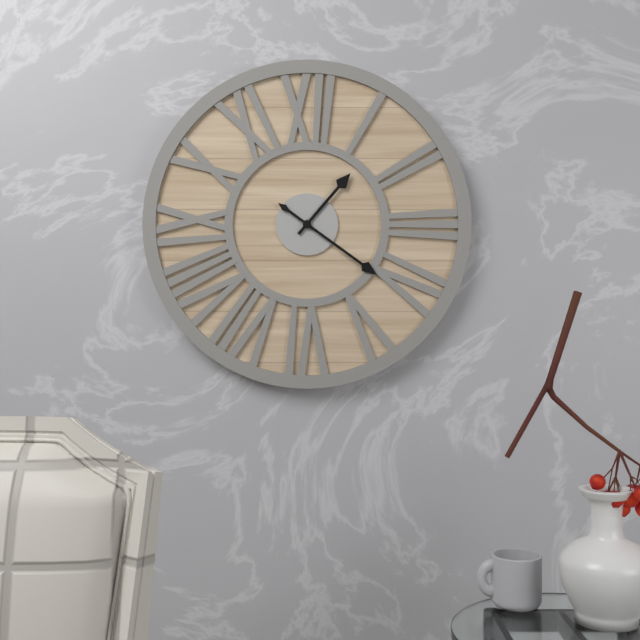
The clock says 1:21
